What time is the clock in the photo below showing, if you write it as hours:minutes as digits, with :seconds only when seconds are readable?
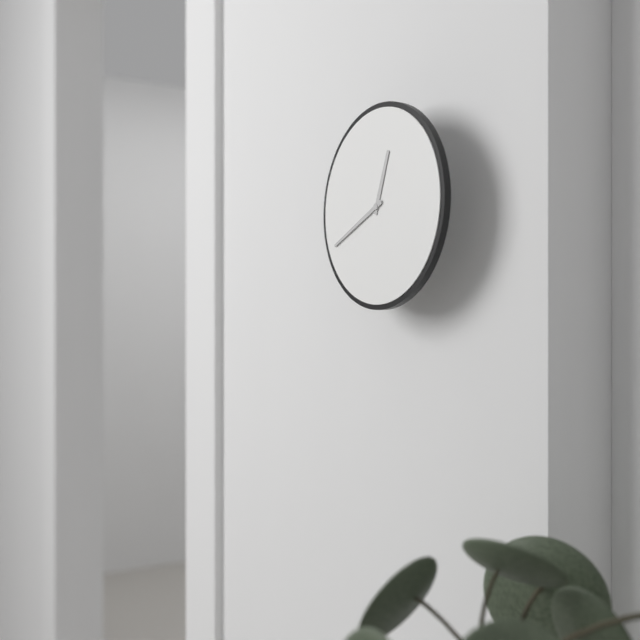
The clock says 12:41
